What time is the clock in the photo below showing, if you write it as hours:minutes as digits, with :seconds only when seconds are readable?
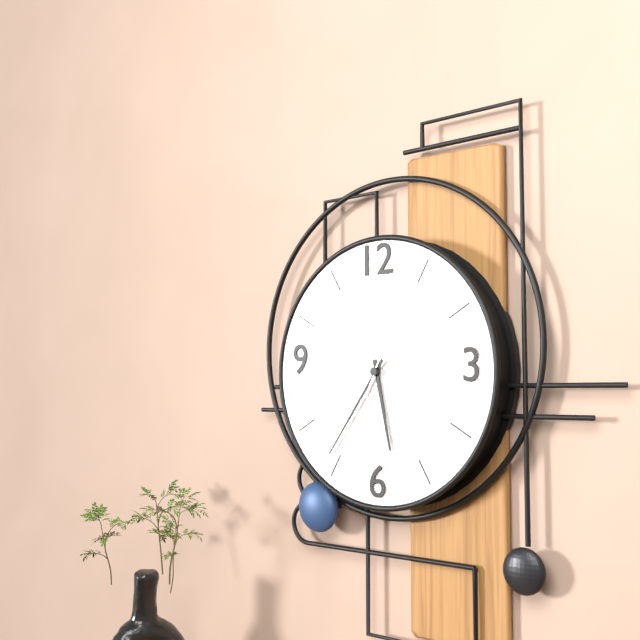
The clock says 5:36:04
